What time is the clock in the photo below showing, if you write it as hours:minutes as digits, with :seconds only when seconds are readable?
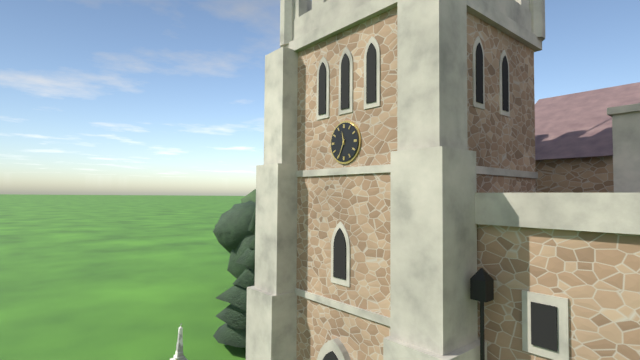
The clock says 11:34
